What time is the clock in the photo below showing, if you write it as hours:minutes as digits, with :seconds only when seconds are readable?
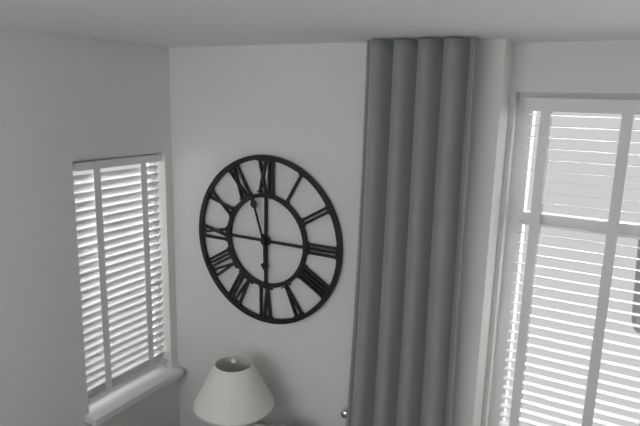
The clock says 5:57
